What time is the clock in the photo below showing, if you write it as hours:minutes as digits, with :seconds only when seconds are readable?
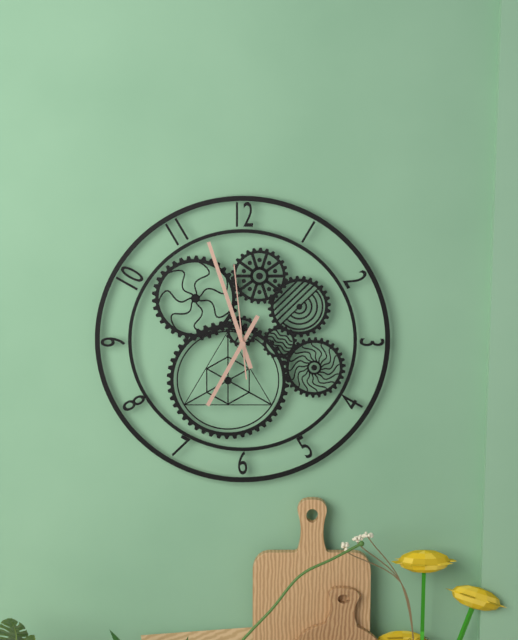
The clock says 6:57:59
